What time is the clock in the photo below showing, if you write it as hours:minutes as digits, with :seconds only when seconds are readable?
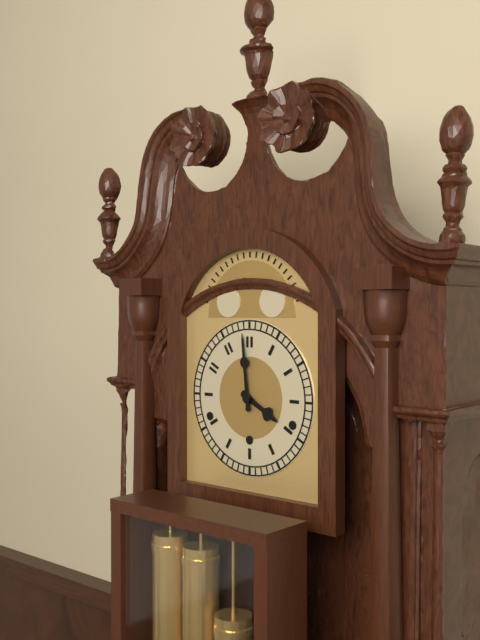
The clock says 3:59
